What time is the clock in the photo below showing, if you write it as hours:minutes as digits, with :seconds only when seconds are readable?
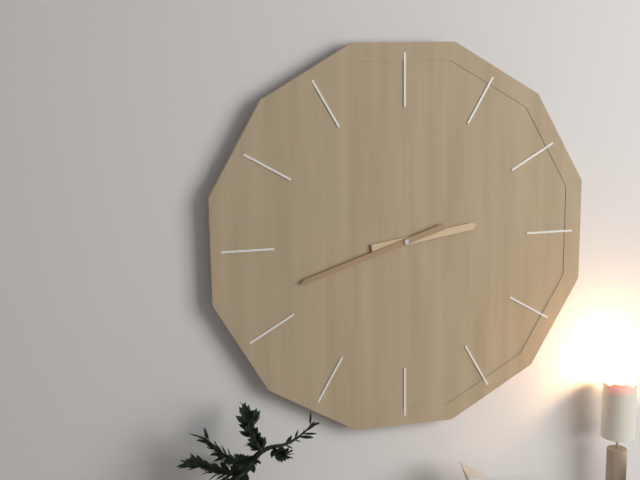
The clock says 2:42
